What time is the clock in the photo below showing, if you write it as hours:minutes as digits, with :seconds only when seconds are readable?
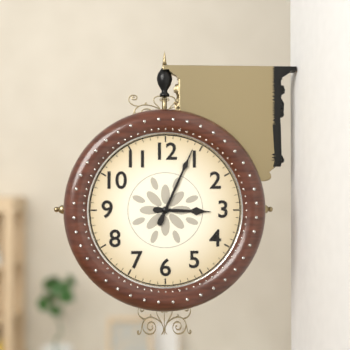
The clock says 3:04
